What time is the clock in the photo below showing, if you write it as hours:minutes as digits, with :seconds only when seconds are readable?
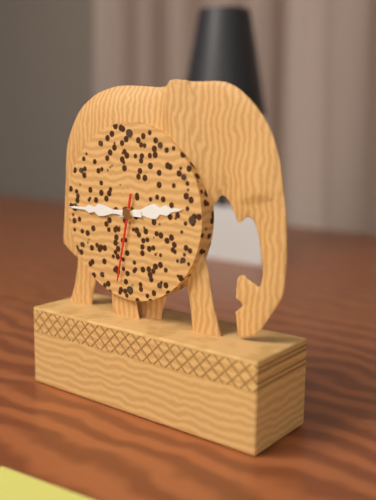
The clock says 2:45:32
